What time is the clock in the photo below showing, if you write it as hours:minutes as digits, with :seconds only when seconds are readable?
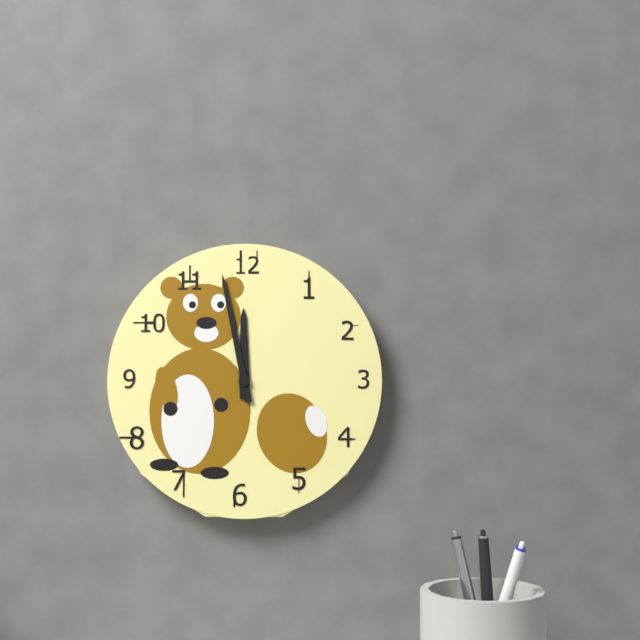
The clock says 11:58
